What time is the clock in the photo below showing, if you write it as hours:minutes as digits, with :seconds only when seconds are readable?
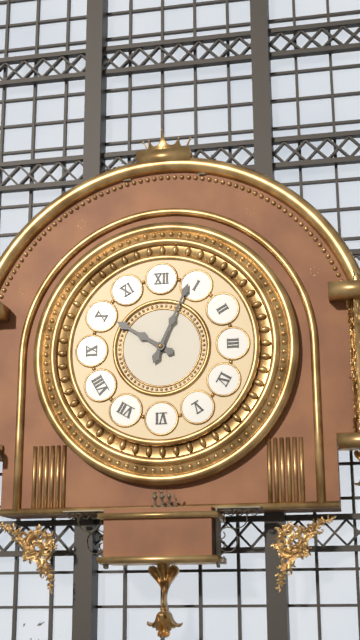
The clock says 10:04
